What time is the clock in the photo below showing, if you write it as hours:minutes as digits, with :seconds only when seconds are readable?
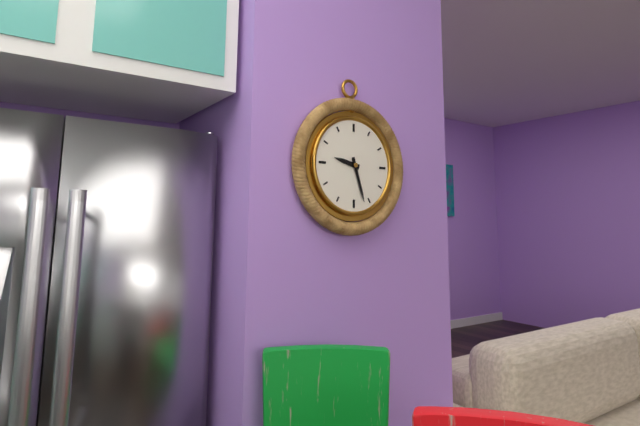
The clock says 9:27
